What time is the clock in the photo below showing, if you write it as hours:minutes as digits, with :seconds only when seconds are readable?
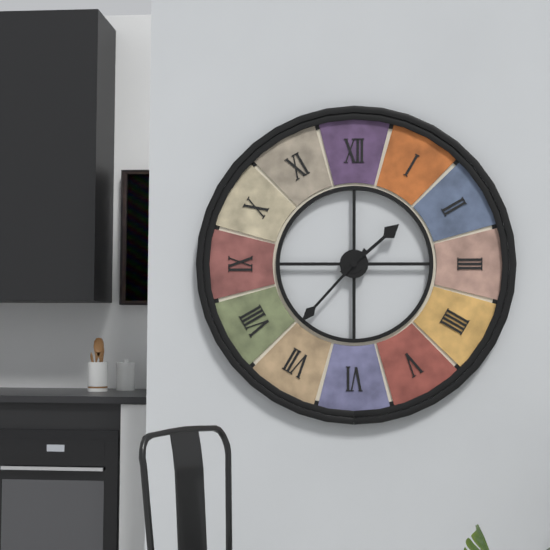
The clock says 1:37
